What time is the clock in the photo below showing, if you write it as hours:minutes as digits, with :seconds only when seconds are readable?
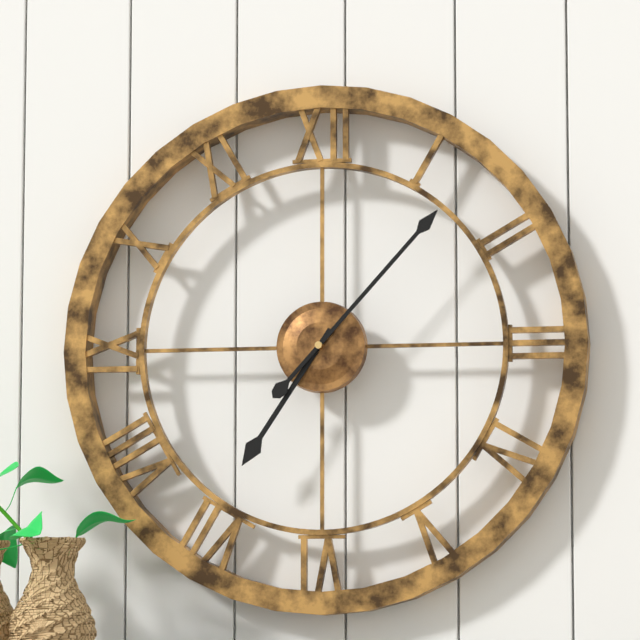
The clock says 7:07
